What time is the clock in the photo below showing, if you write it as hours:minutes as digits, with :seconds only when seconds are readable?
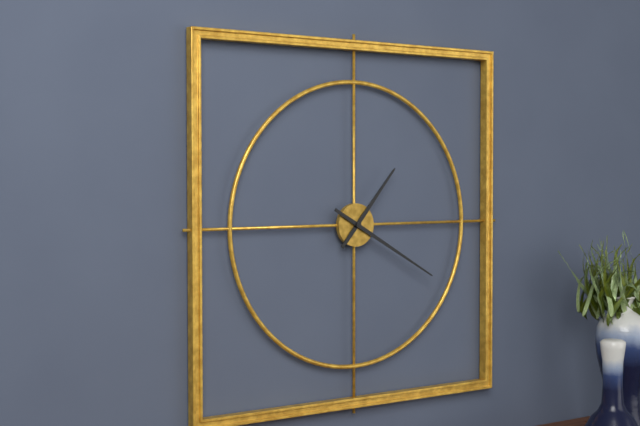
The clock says 1:20
